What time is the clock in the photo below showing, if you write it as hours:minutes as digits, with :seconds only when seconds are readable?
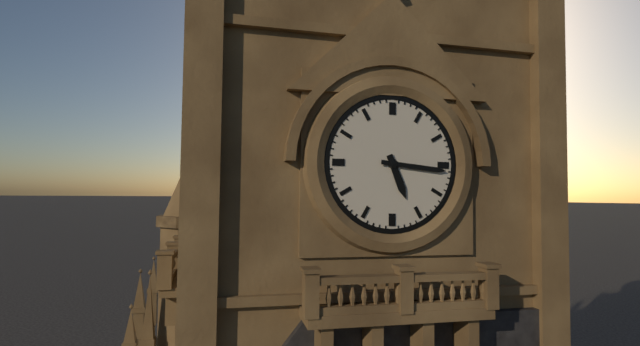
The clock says 5:16
